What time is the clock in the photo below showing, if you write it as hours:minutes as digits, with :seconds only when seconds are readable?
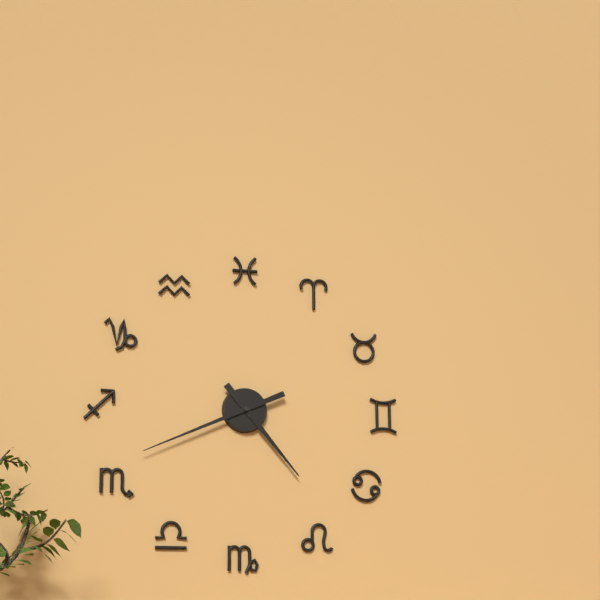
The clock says 4:41
